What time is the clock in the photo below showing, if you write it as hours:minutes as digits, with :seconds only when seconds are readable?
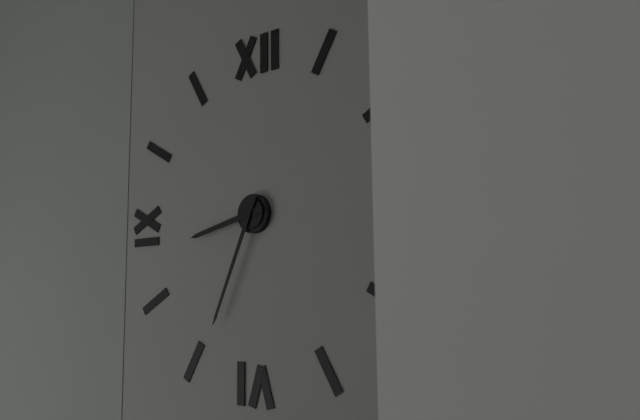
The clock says 8:34
